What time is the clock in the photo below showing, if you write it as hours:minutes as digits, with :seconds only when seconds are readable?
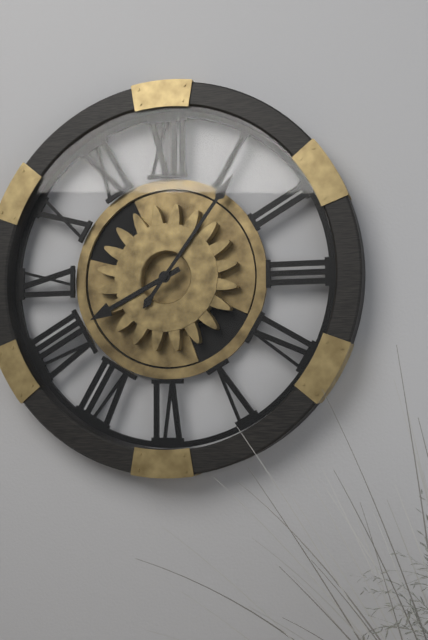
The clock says 8:06
